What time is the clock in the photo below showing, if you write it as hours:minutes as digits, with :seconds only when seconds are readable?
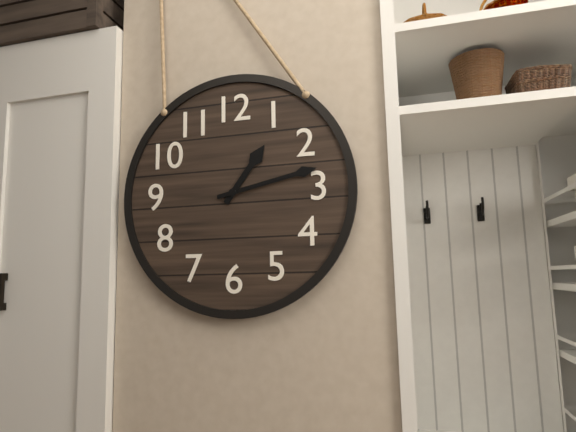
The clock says 1:13
